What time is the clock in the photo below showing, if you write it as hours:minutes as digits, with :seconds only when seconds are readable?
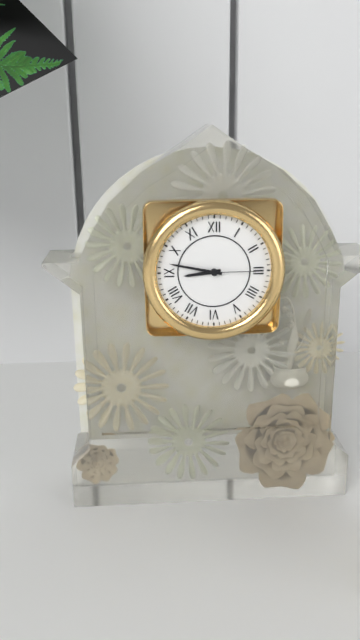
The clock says 8:47:15
